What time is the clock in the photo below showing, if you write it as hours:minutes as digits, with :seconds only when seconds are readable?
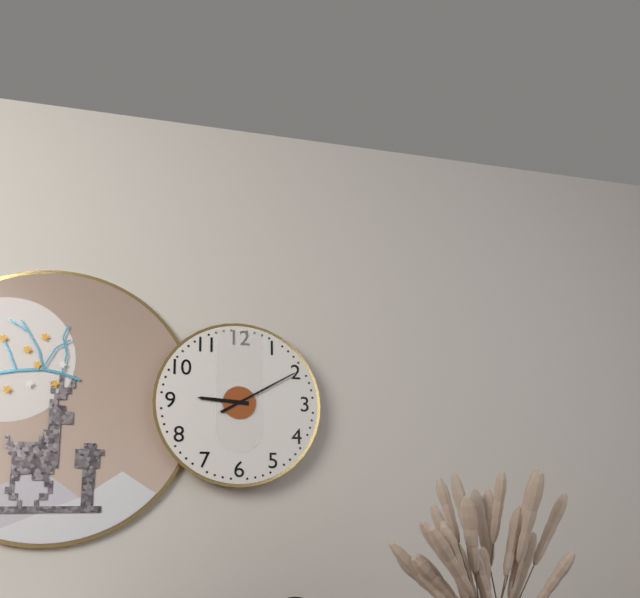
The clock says 9:10
